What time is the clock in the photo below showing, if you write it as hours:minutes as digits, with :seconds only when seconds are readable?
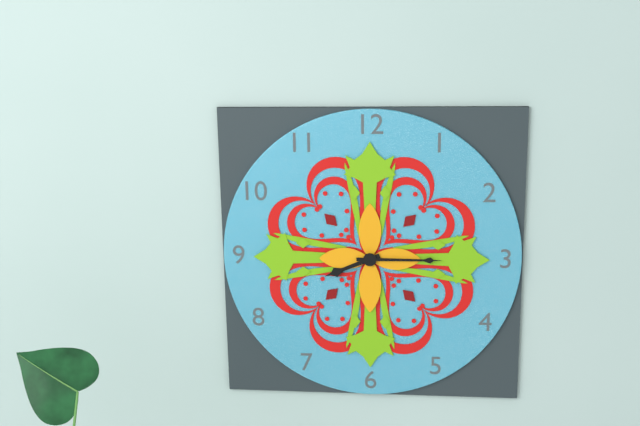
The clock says 8:15
